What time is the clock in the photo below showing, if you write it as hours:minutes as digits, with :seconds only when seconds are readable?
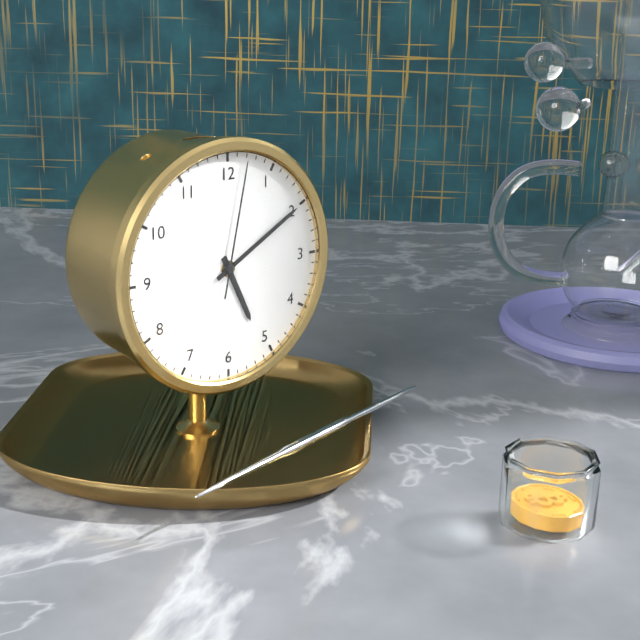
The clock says 5:10:02
